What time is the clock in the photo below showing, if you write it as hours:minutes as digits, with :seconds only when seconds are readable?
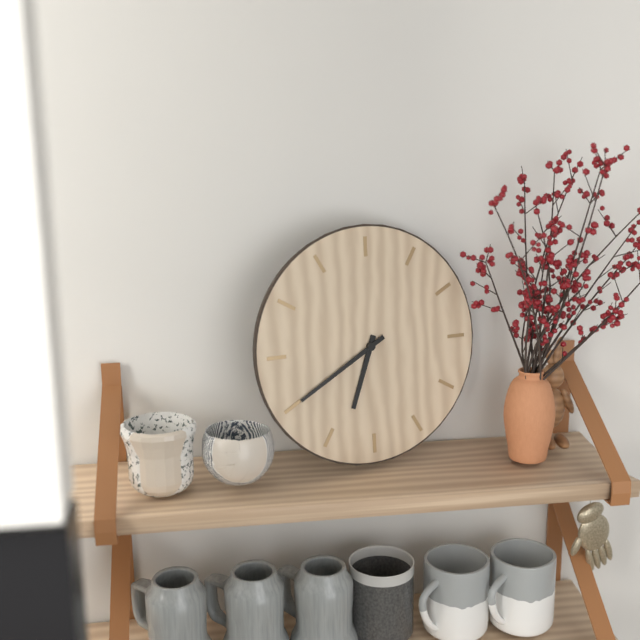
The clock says 6:40
